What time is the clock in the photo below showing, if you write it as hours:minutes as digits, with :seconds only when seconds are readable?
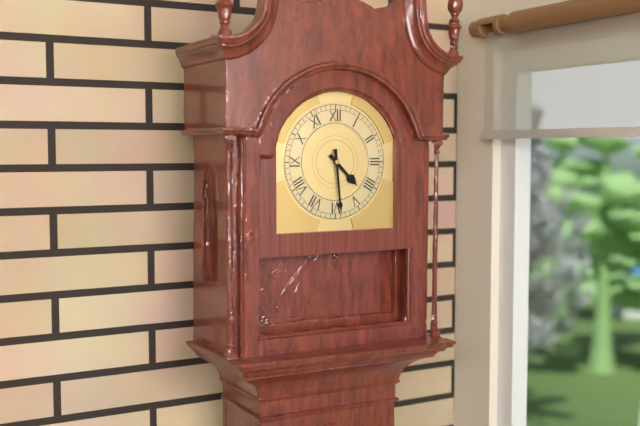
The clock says 4:29
